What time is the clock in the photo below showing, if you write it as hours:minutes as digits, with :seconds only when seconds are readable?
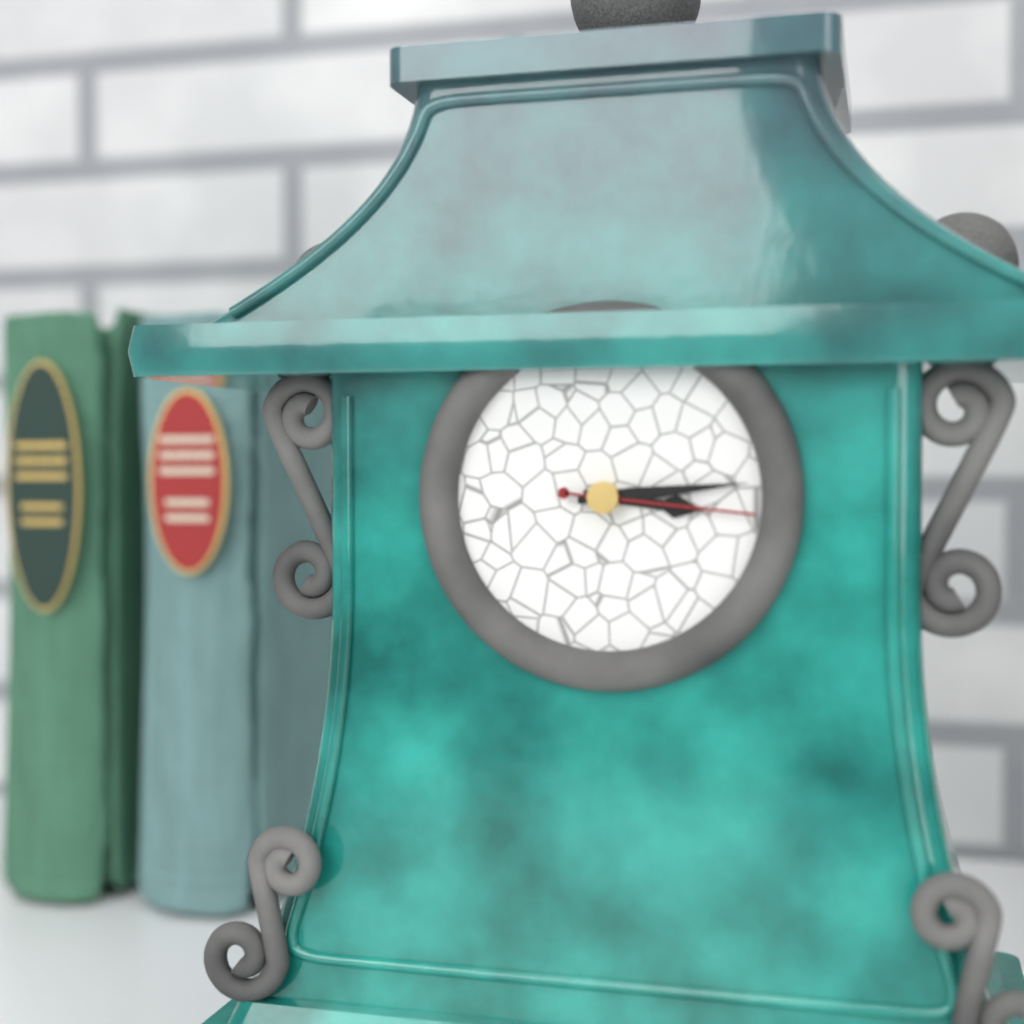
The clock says 3:14:16
